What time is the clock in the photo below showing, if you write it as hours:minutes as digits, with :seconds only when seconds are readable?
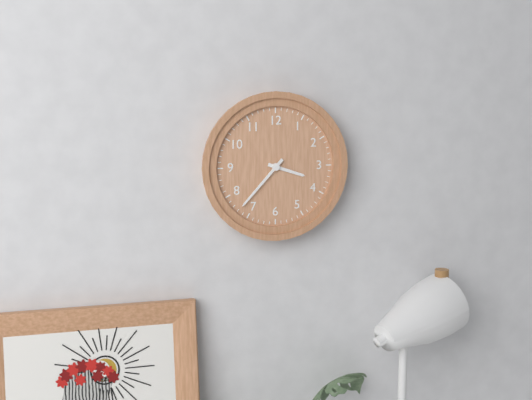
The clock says 3:37
